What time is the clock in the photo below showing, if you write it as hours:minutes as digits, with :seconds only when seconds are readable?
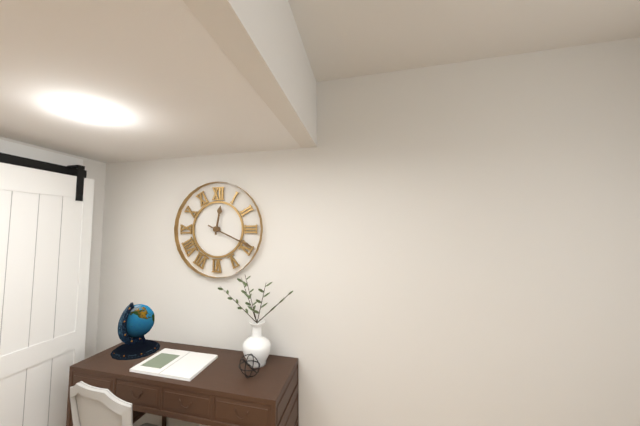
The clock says 12:19
